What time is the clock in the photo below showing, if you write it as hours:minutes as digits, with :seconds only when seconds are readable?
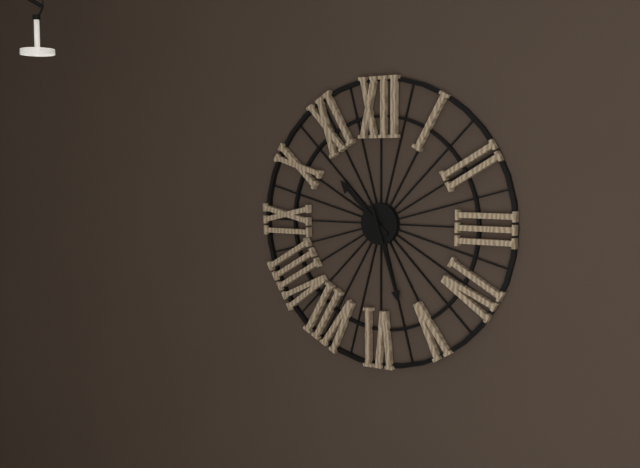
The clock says 10:27
